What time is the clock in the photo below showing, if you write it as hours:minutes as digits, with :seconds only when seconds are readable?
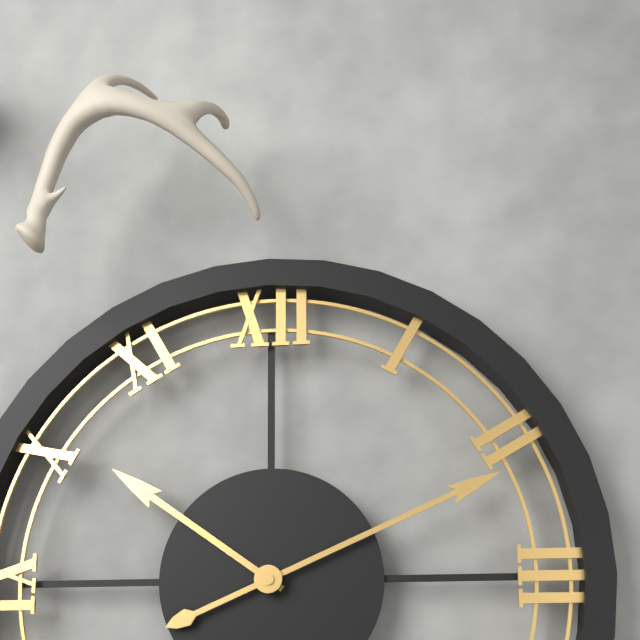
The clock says 10:11
